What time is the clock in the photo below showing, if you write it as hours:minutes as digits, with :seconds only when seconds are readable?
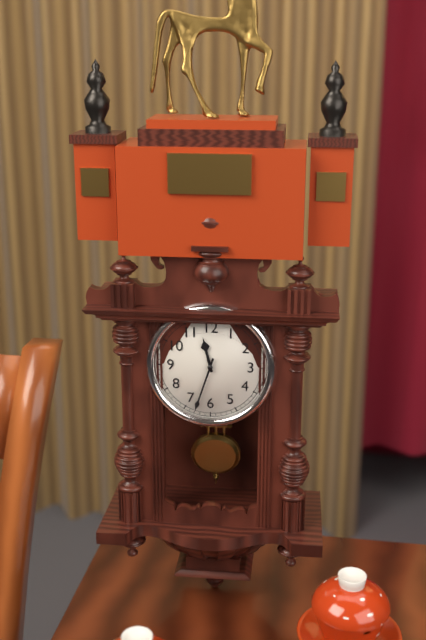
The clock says 11:33
